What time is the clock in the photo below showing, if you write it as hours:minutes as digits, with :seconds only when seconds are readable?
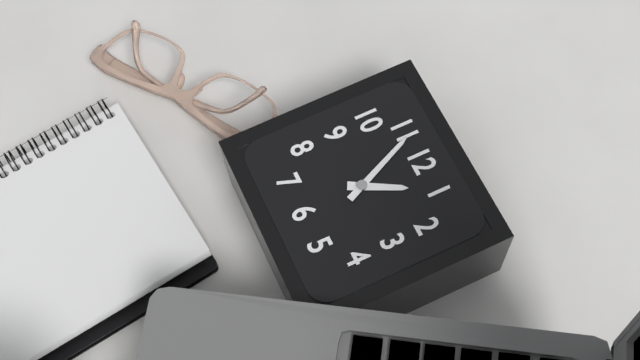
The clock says 12:56
